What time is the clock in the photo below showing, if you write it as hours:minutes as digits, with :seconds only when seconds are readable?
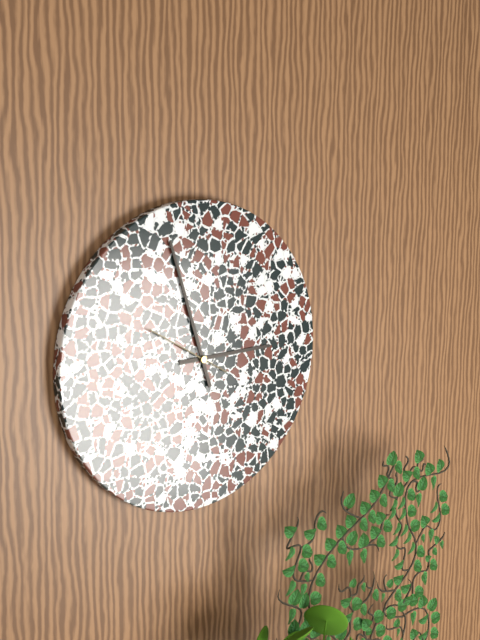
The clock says 2:57:50
